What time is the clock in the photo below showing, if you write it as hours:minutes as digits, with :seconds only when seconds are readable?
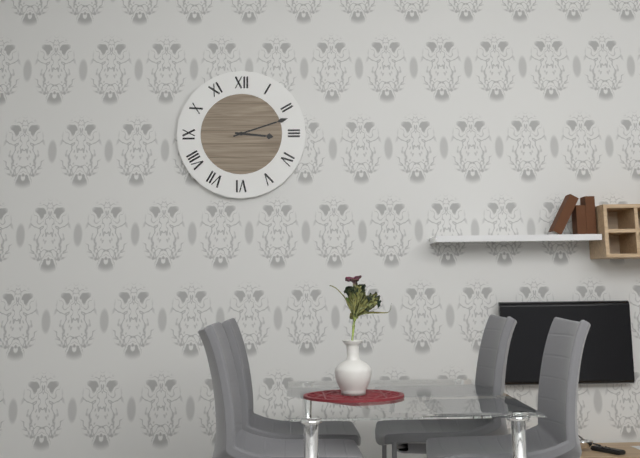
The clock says 3:12
